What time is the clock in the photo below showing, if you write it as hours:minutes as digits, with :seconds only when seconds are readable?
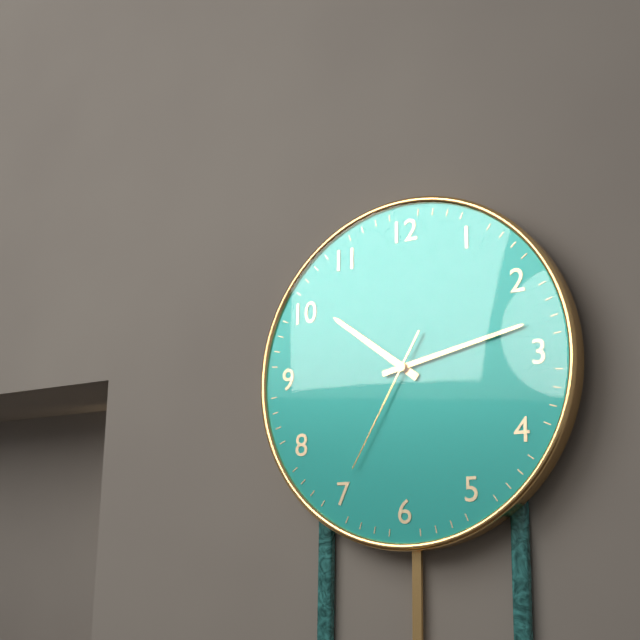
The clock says 10:13:35
